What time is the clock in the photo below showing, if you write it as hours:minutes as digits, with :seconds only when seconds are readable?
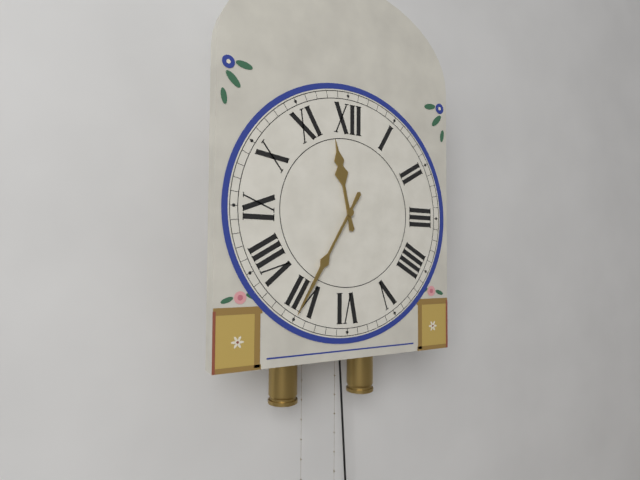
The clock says 11:35
